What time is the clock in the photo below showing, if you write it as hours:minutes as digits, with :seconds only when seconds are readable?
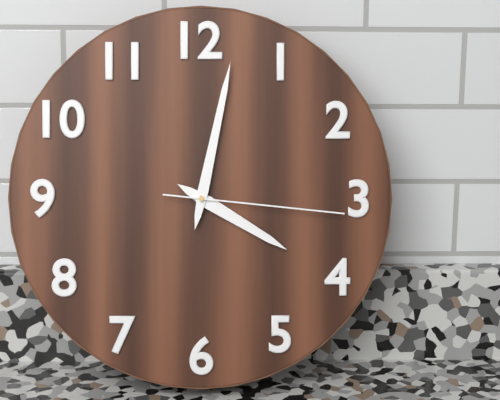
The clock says 4:02:16
